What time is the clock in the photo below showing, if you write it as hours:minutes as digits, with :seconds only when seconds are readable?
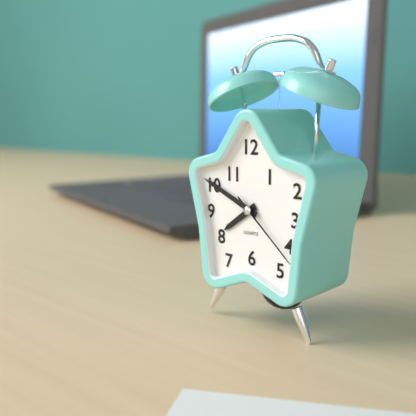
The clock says 7:49:22
